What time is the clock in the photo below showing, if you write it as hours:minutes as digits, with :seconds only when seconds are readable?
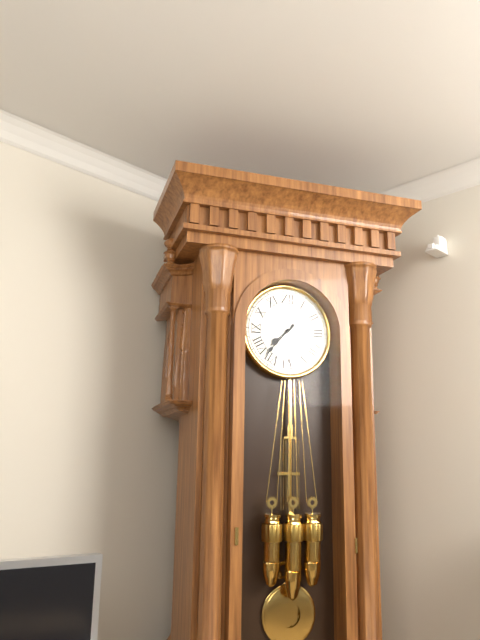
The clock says 7:37
